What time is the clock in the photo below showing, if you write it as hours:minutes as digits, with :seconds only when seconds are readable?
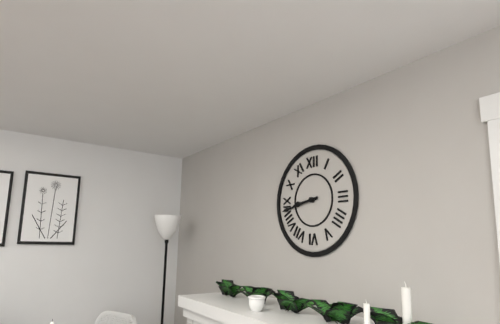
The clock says 8:43
